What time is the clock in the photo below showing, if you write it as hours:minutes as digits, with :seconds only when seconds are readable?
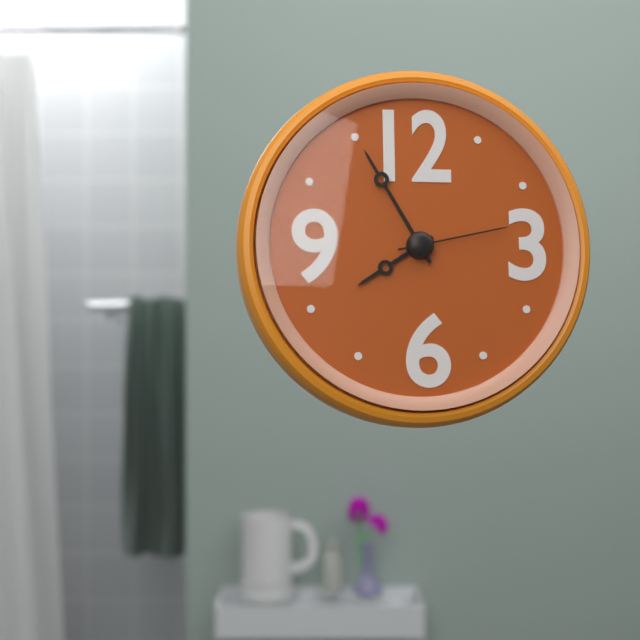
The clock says 7:55:13
